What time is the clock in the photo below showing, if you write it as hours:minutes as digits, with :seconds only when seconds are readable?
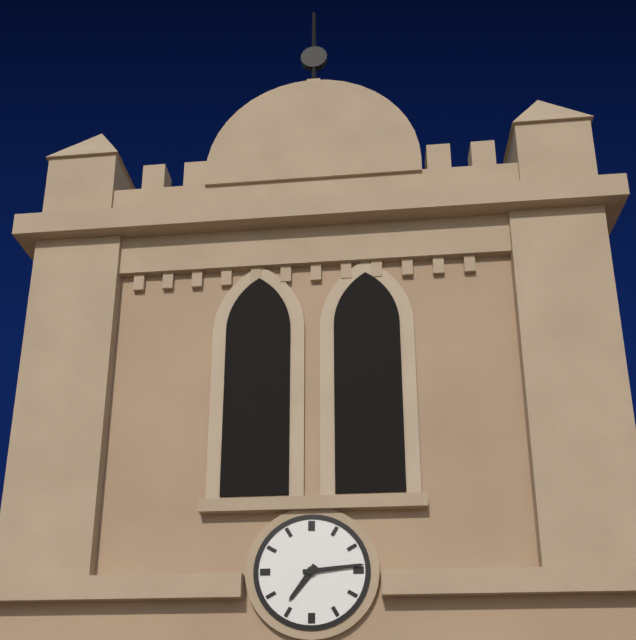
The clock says 7:14
